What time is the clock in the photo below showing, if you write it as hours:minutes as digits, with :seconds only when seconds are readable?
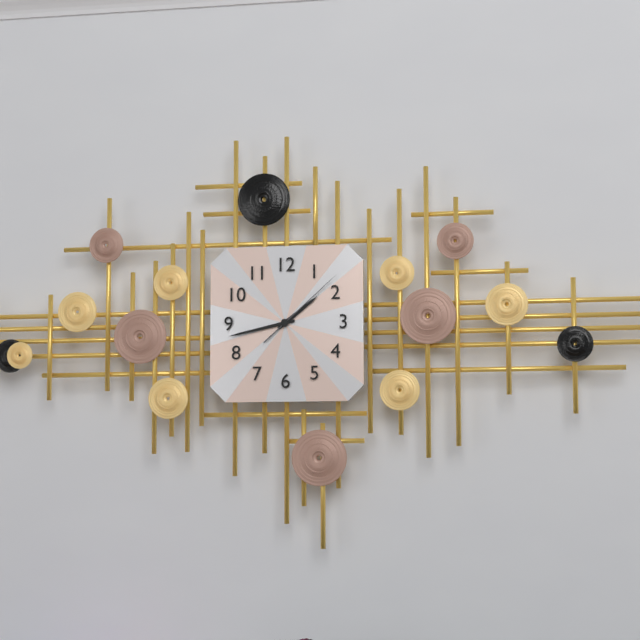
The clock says 1:43:08
